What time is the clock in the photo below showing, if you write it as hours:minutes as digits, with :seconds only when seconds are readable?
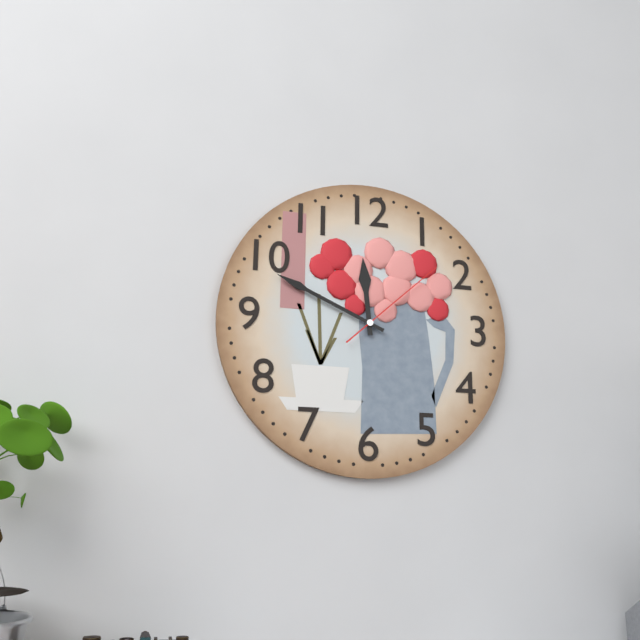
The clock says 11:49:08
